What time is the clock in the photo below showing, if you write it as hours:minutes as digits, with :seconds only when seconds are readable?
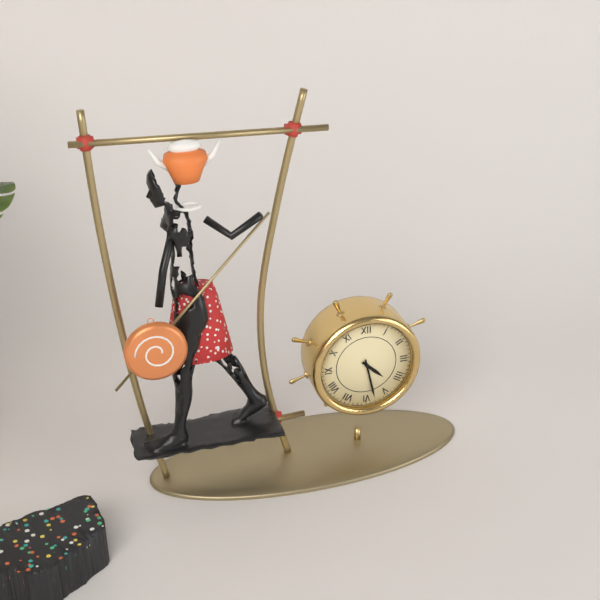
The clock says 4:28
